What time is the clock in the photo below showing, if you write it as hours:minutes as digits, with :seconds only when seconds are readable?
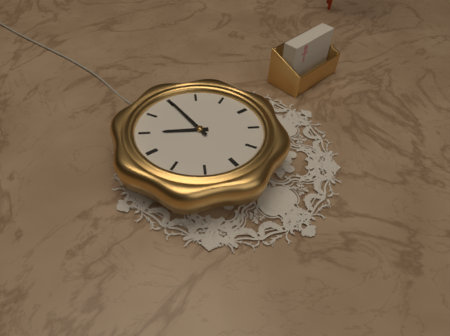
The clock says 10:00
